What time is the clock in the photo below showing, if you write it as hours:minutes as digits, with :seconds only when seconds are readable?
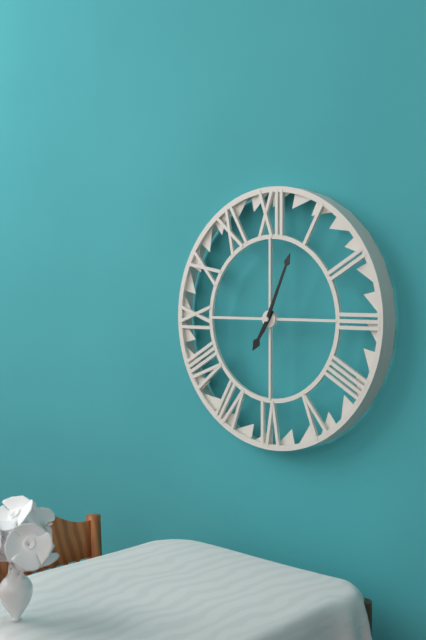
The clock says 7:04
